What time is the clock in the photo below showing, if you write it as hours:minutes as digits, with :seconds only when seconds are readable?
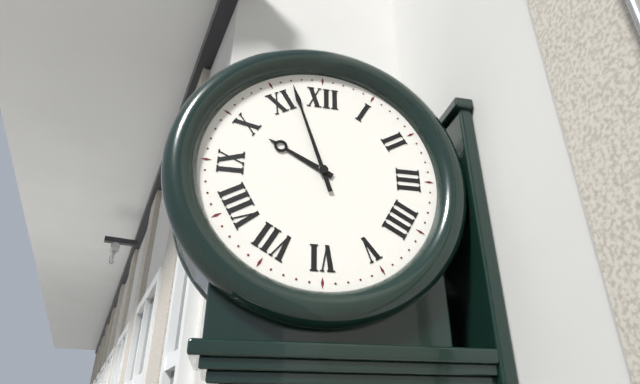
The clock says 9:57
